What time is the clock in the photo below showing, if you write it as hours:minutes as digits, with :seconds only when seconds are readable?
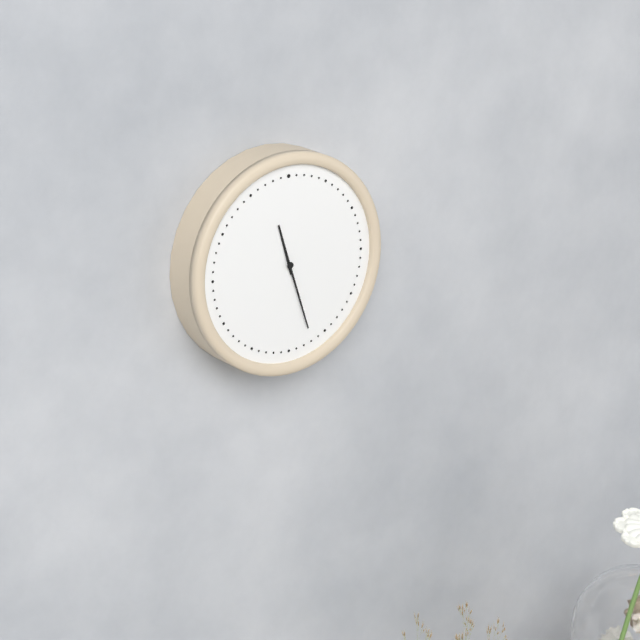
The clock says 11:27
